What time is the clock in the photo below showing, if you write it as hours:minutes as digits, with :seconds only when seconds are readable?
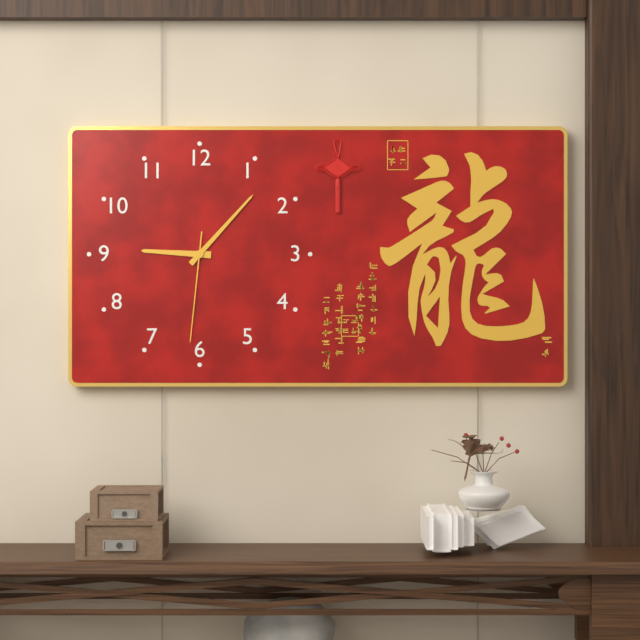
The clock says 9:07:31
